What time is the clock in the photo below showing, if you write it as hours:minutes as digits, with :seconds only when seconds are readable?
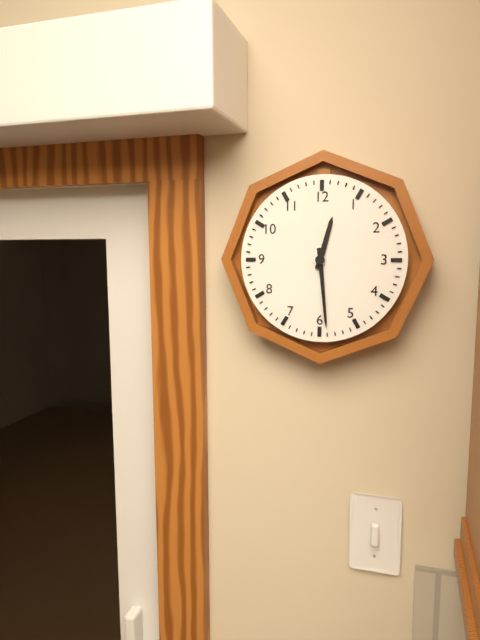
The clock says 12:29
